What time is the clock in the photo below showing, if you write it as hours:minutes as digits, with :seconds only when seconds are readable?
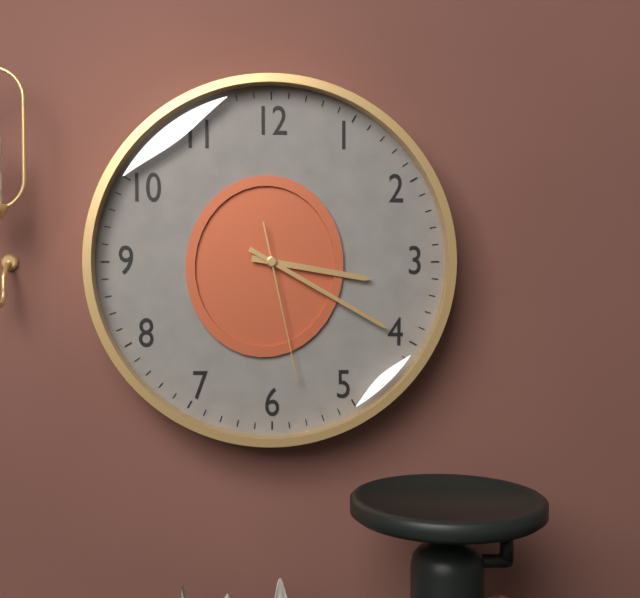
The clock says 3:20:28
